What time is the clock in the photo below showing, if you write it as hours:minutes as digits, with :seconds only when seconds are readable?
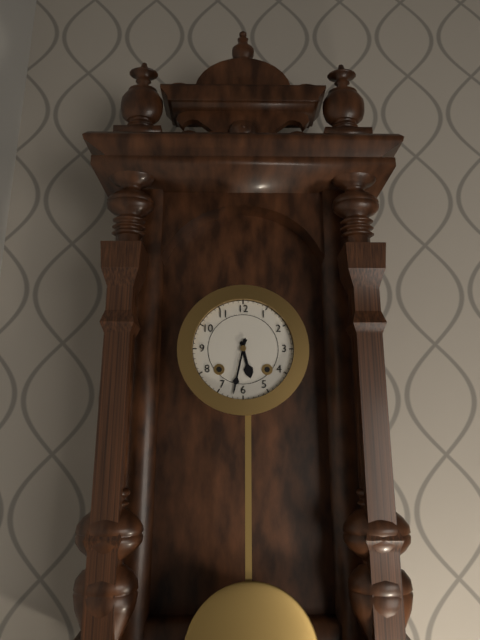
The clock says 5:32
